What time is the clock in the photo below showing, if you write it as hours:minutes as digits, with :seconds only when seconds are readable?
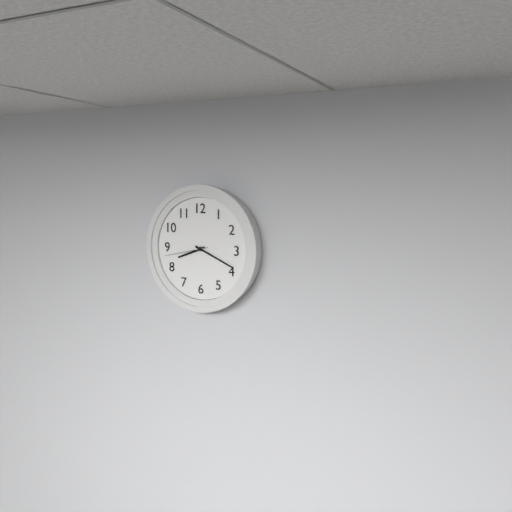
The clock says 8:19
